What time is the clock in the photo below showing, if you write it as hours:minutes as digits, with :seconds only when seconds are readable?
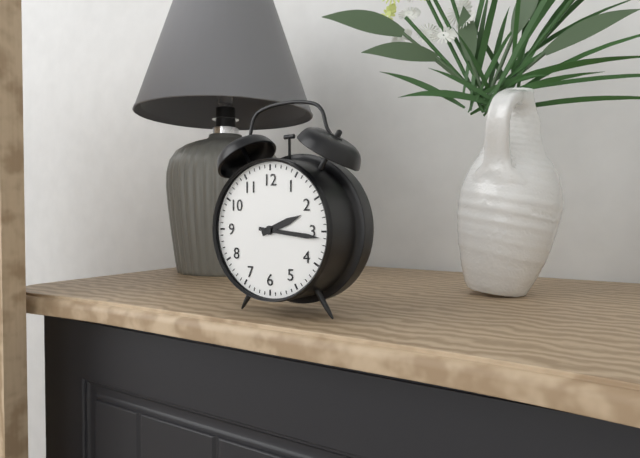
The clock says 2:16
